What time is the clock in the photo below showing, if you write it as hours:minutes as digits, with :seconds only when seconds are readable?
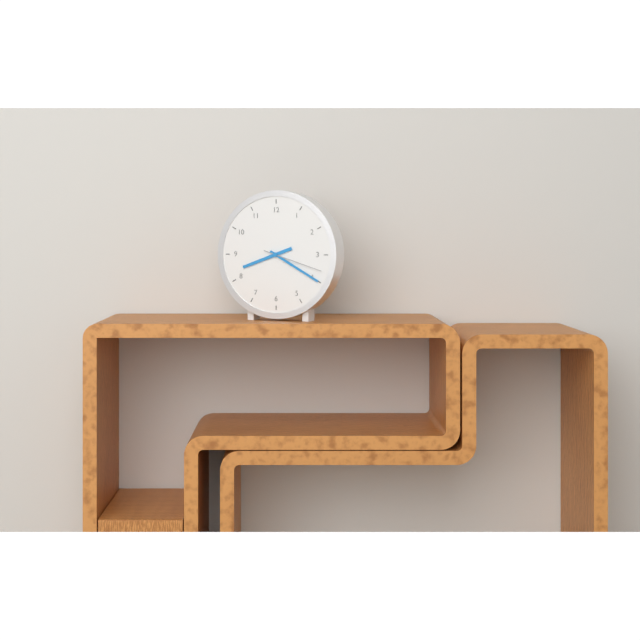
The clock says 8:20:18
